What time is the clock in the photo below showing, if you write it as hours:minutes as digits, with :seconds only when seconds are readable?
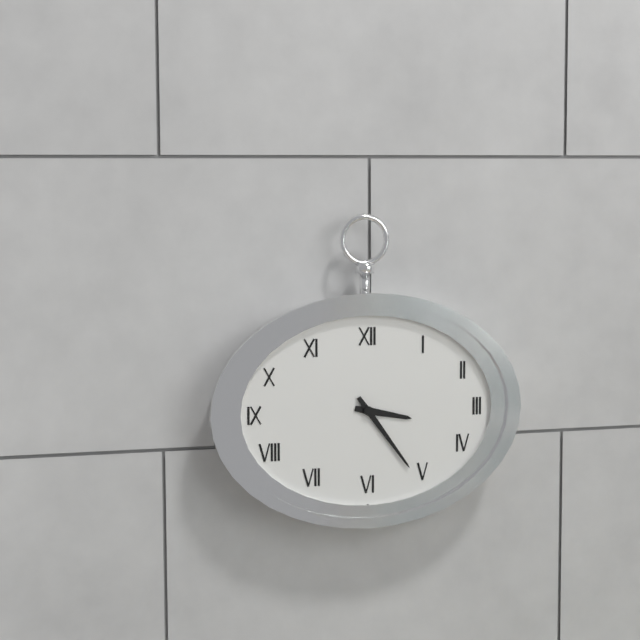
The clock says 3:24
